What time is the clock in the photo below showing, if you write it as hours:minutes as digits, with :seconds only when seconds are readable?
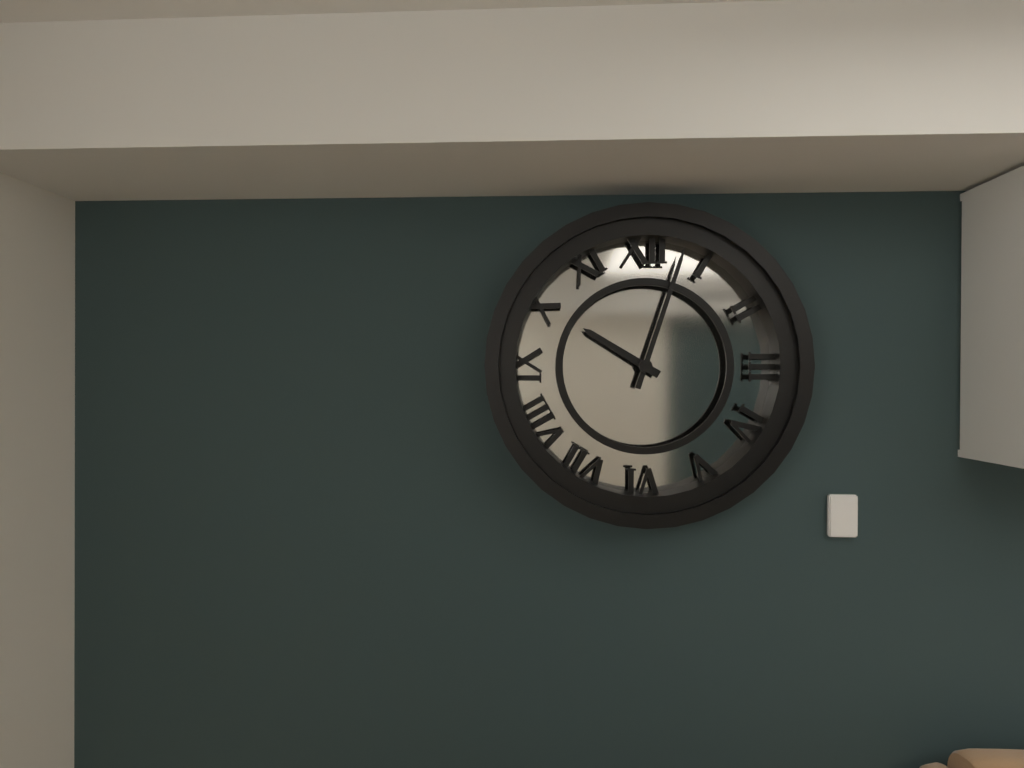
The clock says 10:03
